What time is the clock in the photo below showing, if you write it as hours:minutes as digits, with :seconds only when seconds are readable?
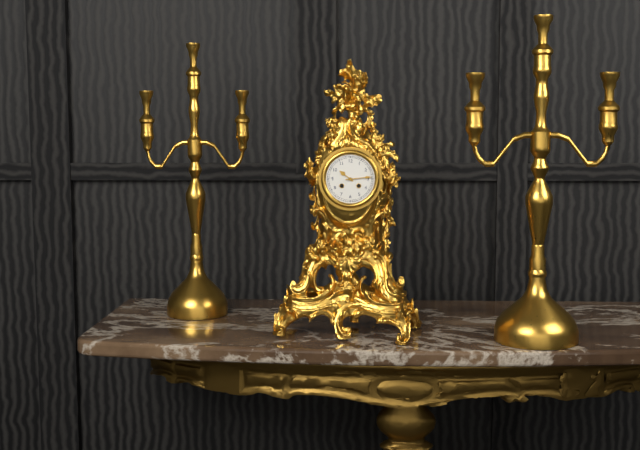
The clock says 10:14
